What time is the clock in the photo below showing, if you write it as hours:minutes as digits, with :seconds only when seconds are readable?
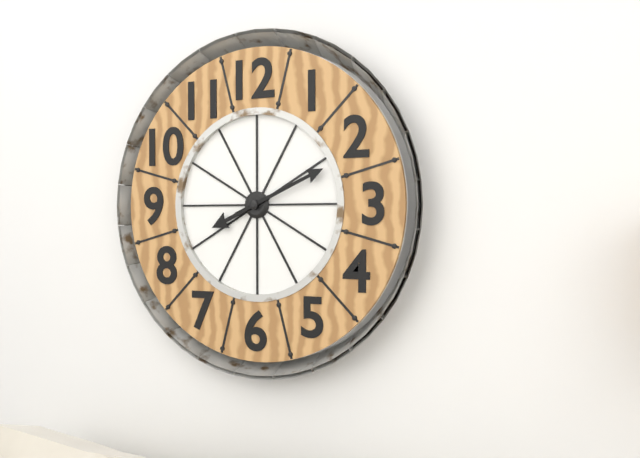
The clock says 8:11
